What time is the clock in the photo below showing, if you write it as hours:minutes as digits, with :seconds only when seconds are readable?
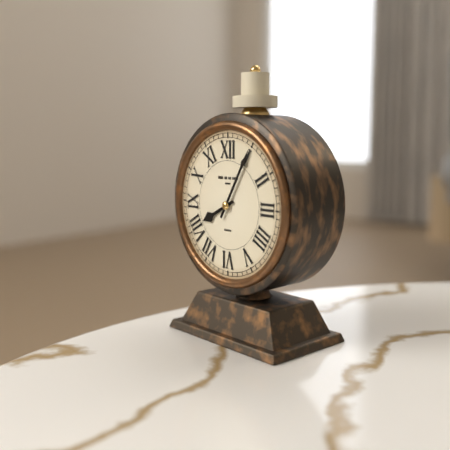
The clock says 8:05
